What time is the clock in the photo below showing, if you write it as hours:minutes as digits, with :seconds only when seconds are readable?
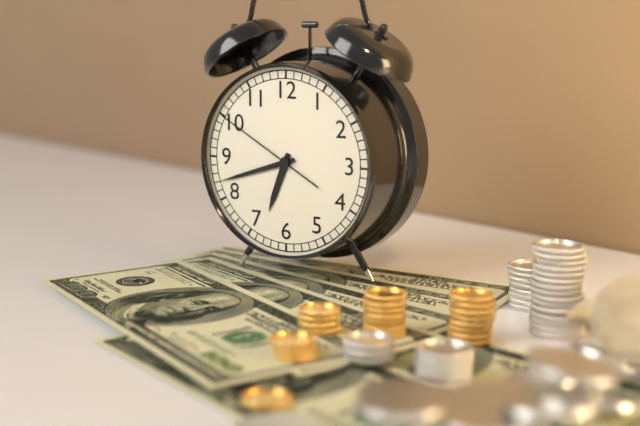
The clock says 6:42:50
